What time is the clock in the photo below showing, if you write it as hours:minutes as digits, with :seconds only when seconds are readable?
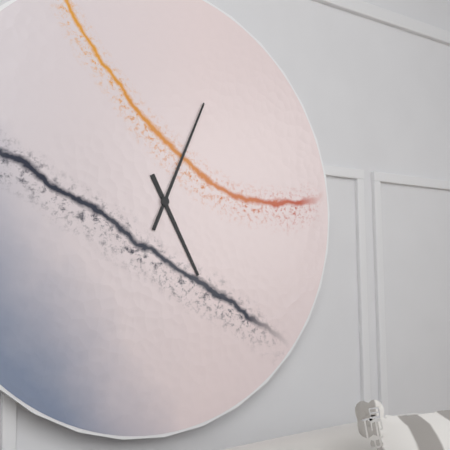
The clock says 5:04
